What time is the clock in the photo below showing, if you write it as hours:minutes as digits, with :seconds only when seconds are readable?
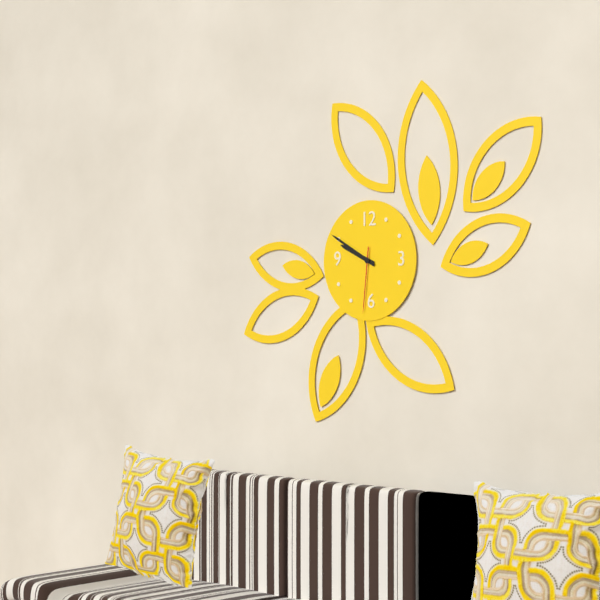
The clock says 9:50:31
